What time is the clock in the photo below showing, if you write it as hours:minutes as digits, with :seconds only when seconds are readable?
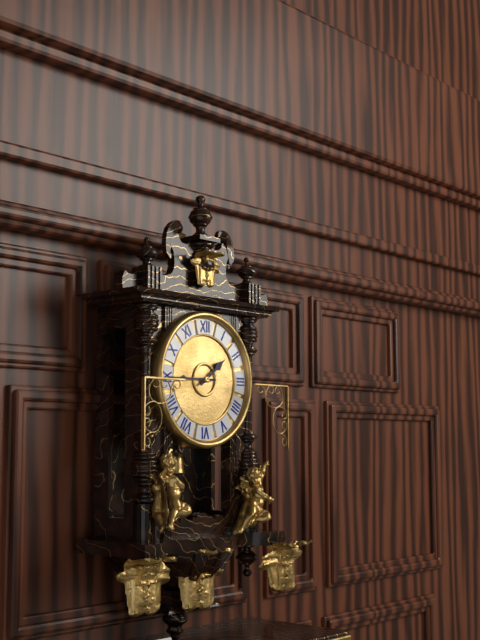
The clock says 1:45
